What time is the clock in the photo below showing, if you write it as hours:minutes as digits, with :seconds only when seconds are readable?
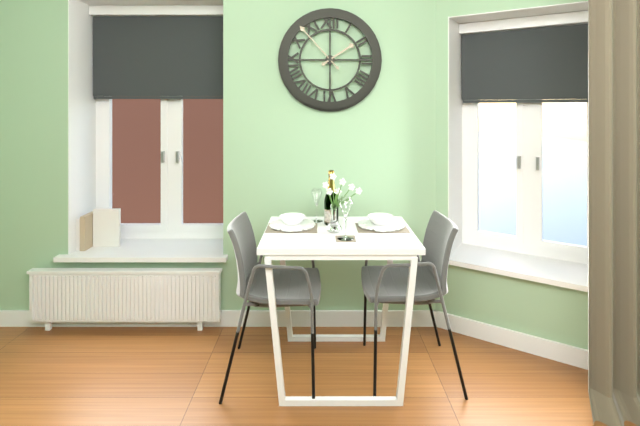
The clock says 1:53
